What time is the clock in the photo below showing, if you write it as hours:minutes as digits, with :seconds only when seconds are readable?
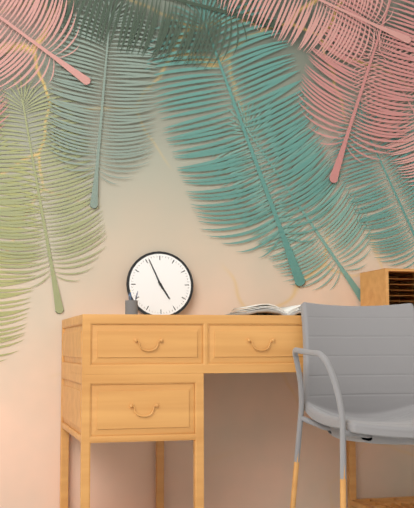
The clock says 4:56
